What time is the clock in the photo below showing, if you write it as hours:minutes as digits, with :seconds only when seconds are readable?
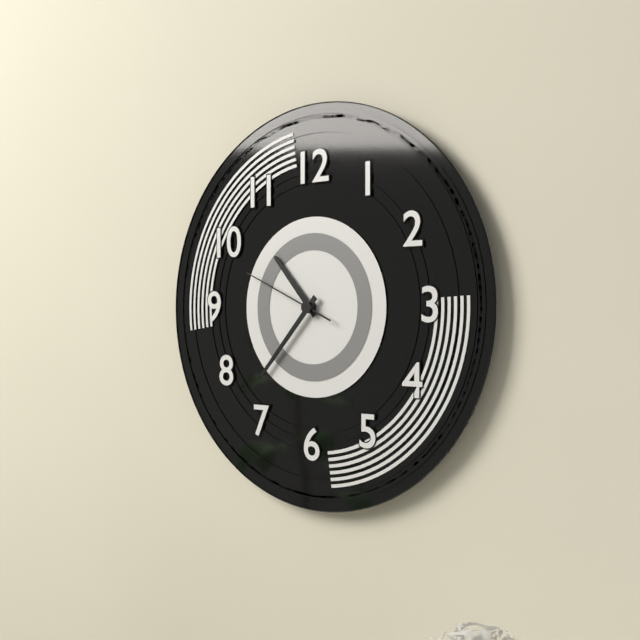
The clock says 10:37:49
